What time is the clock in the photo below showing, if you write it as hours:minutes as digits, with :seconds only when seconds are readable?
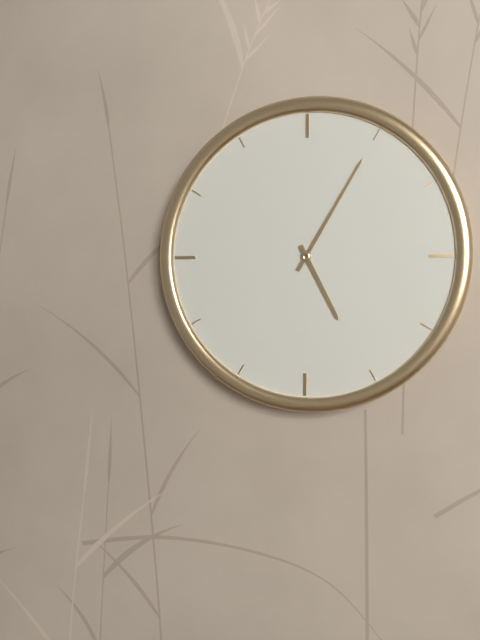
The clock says 5:05
